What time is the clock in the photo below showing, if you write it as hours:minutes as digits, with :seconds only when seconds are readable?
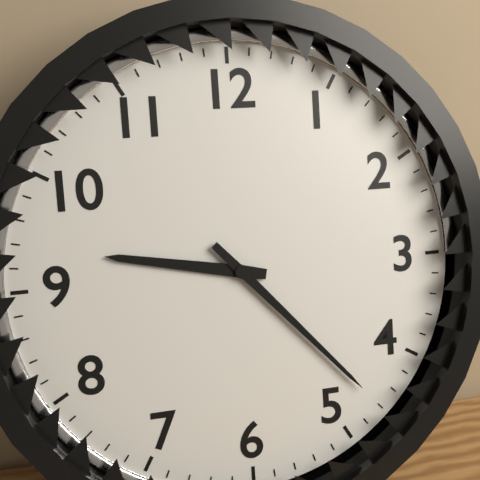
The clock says 9:23
